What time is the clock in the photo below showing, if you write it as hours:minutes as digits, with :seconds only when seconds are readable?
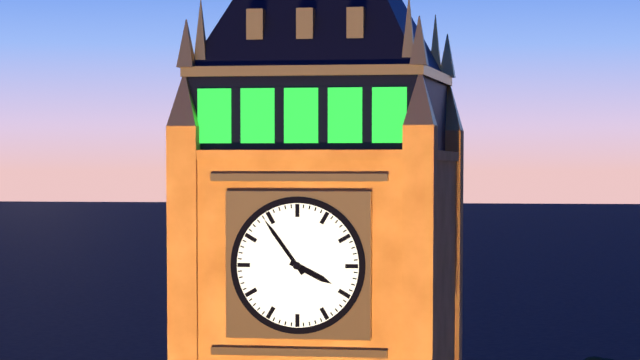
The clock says 3:54
